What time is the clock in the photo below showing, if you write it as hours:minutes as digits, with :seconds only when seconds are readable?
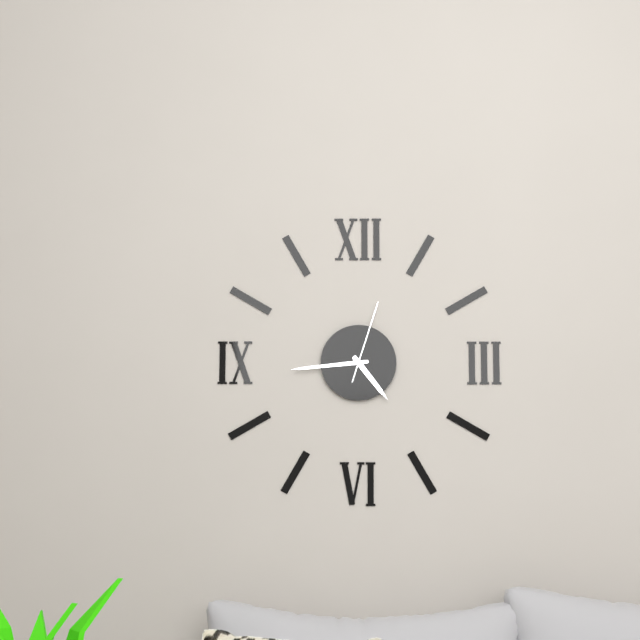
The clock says 4:44:03
